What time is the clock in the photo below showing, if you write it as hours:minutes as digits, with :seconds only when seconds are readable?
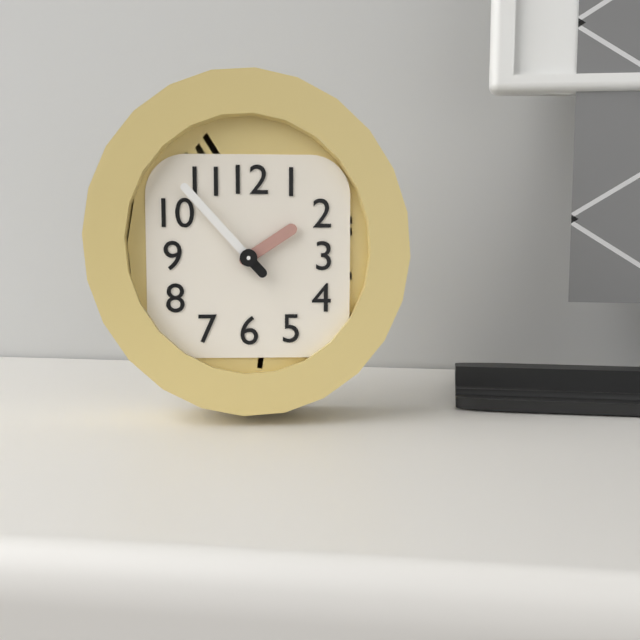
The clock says 1:53
